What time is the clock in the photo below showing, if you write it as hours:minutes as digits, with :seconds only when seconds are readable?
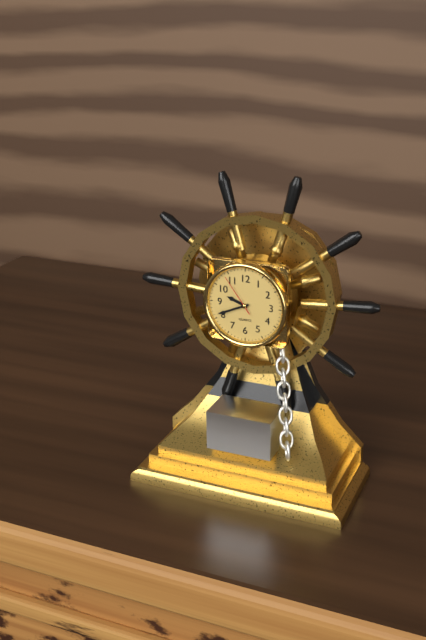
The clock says 9:41
